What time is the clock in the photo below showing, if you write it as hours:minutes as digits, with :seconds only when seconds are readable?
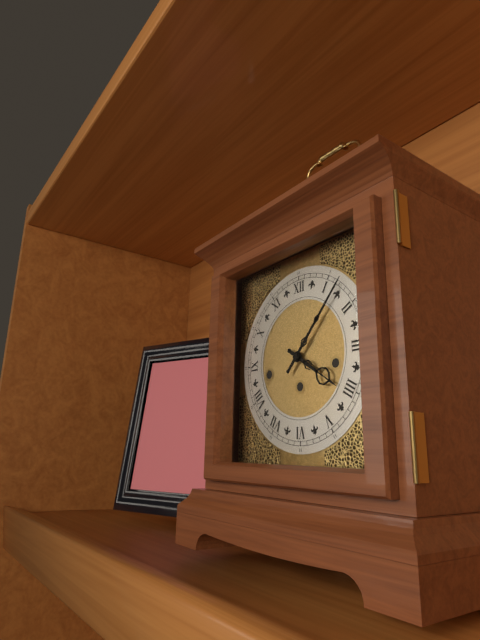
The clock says 4:07
